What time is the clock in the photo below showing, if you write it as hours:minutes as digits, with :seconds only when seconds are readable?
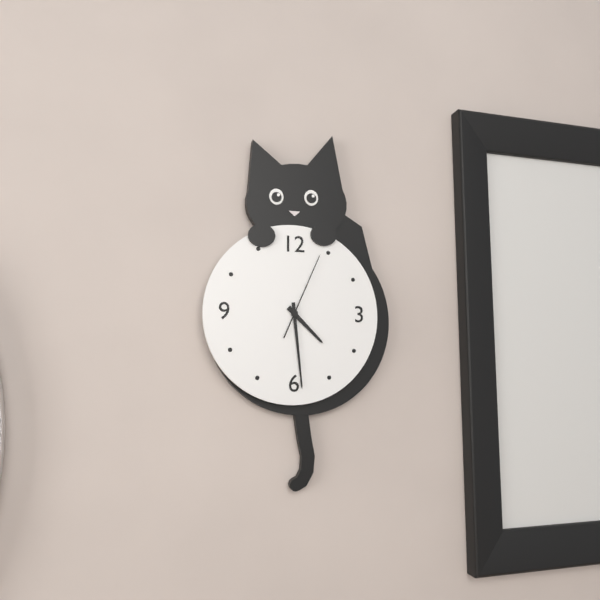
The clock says 4:29:04
